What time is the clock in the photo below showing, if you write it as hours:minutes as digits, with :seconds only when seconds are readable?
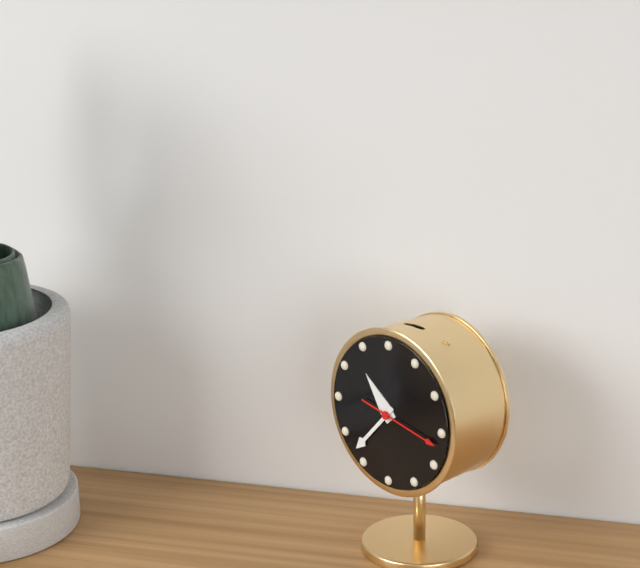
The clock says 10:37:17
